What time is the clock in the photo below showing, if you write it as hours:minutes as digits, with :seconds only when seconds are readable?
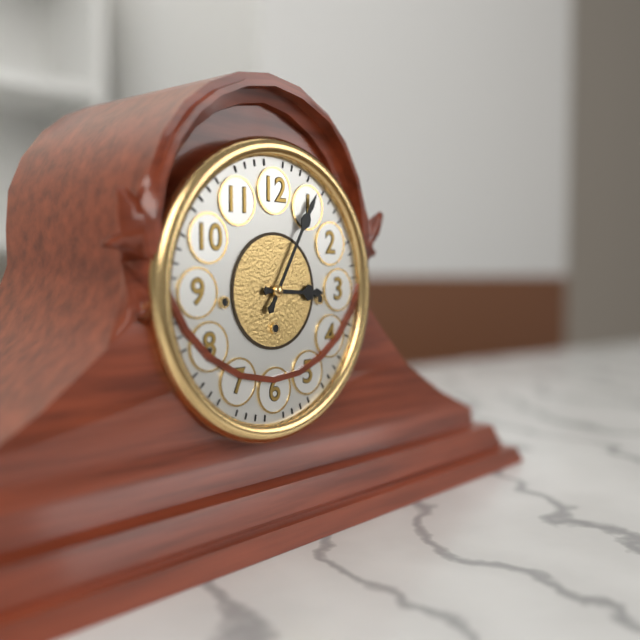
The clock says 3:05
